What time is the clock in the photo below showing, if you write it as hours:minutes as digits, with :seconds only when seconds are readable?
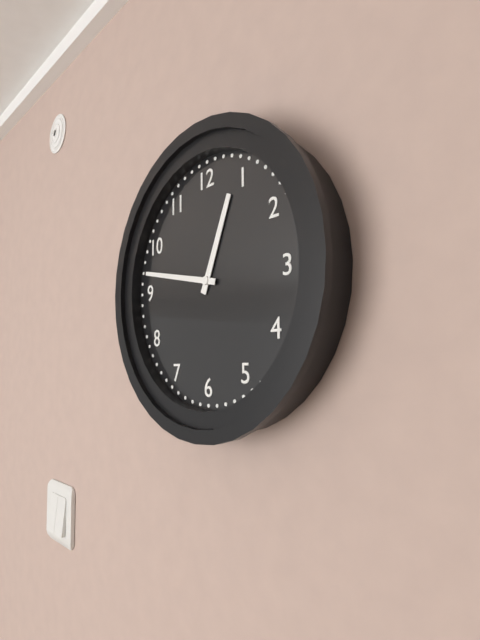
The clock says 12:47
